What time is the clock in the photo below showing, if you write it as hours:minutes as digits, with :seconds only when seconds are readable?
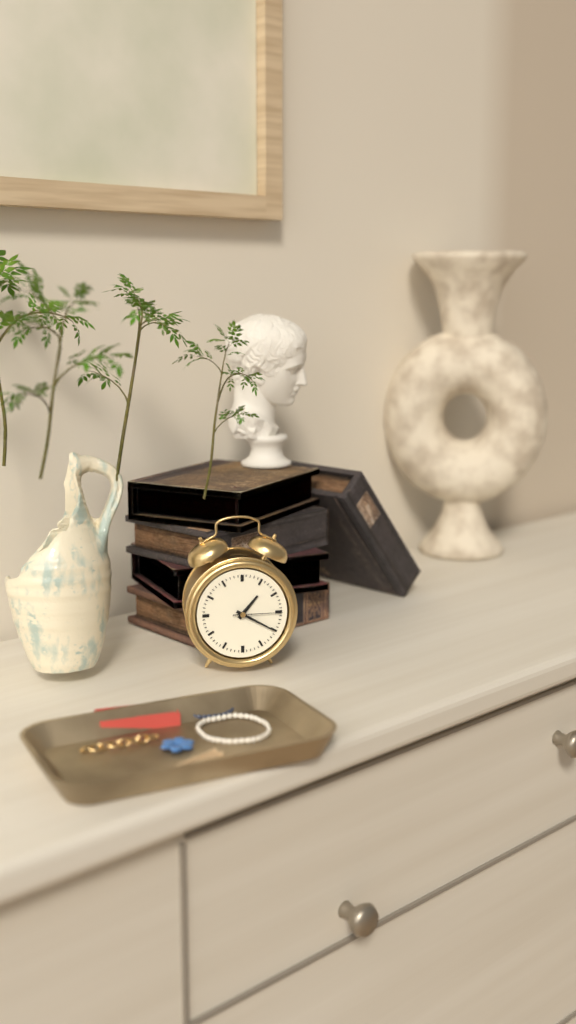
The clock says 1:20:15
